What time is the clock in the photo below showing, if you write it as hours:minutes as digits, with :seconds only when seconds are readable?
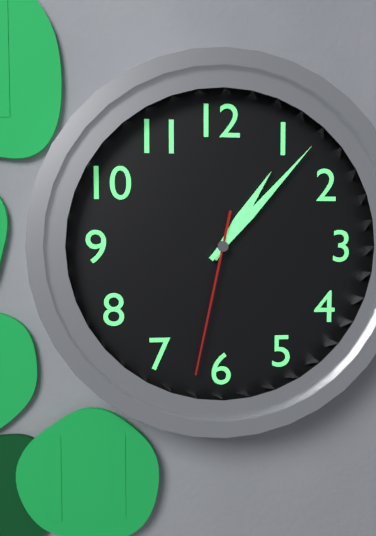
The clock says 1:07:32
